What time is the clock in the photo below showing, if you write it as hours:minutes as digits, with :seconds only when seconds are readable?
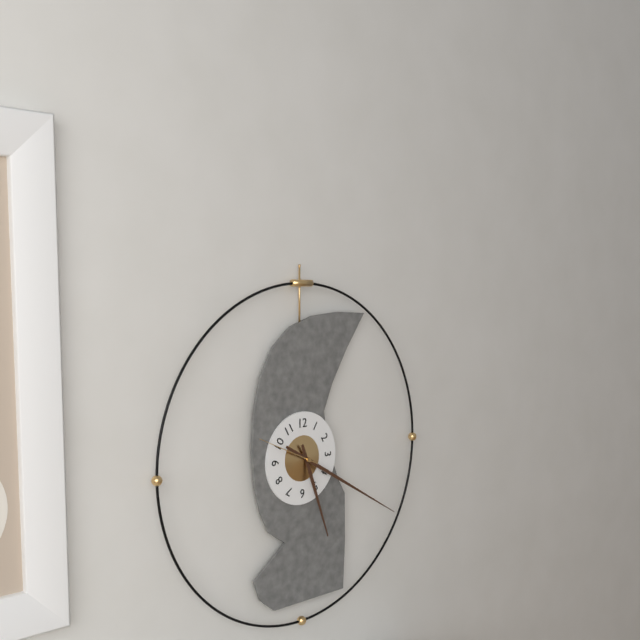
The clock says 5:20:49
